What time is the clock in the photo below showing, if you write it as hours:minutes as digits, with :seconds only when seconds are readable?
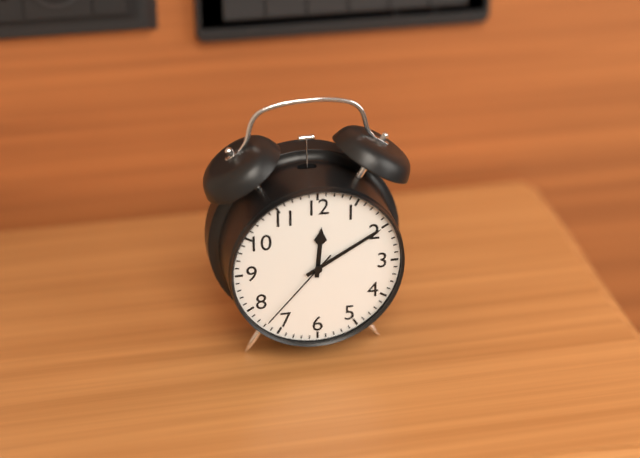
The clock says 12:10:37
